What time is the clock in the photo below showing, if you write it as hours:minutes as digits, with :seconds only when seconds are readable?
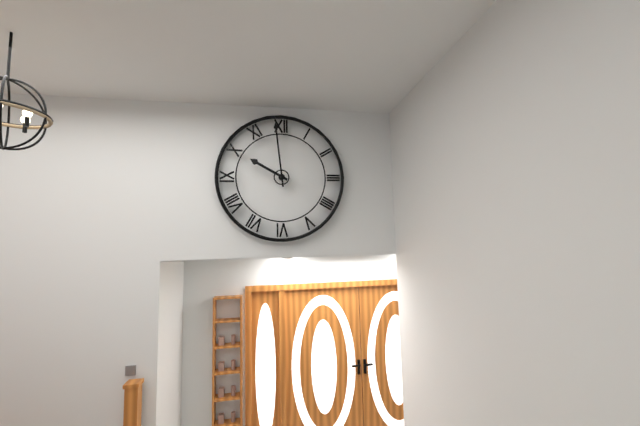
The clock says 9:59
